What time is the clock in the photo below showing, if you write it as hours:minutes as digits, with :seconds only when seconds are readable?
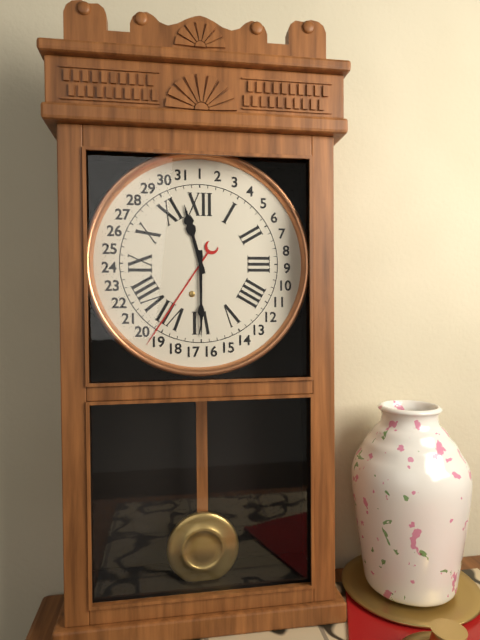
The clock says 11:30
